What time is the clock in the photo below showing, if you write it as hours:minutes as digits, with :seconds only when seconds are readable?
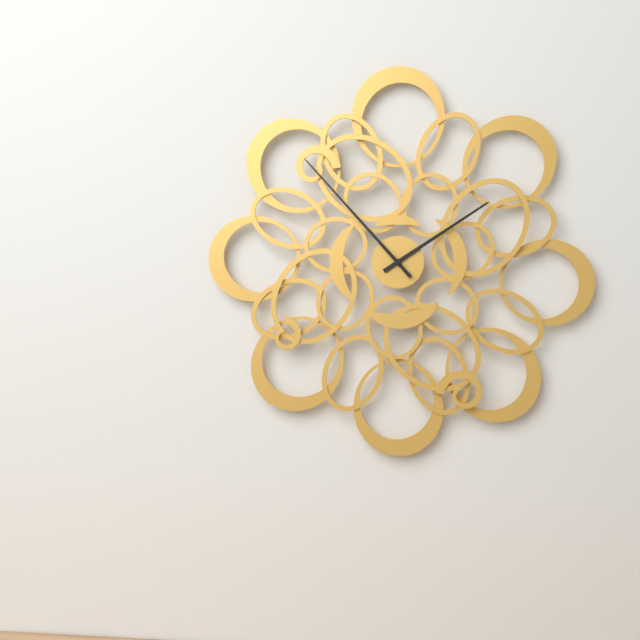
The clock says 1:53
